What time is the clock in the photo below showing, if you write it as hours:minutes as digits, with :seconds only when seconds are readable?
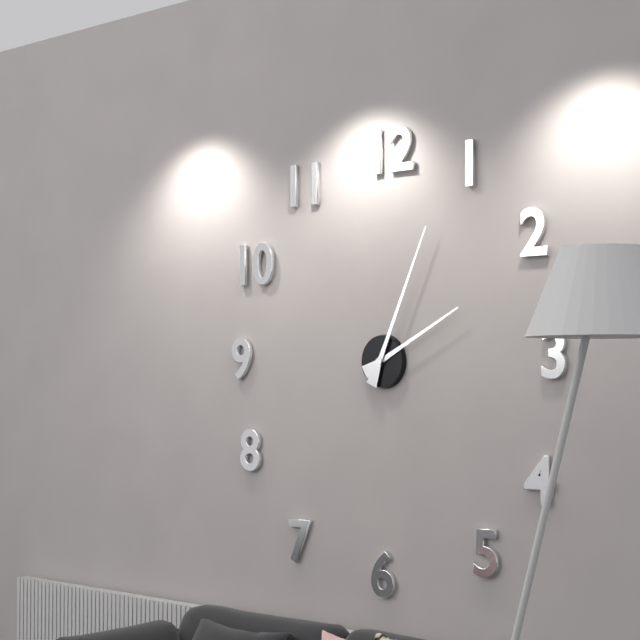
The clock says 2:04
